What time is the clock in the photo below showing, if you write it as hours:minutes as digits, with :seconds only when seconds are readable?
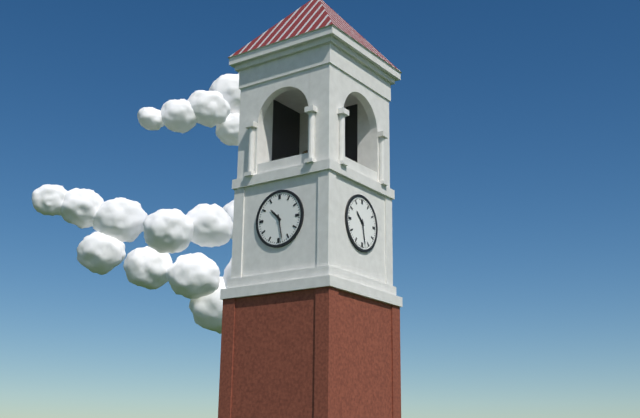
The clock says 10:28
